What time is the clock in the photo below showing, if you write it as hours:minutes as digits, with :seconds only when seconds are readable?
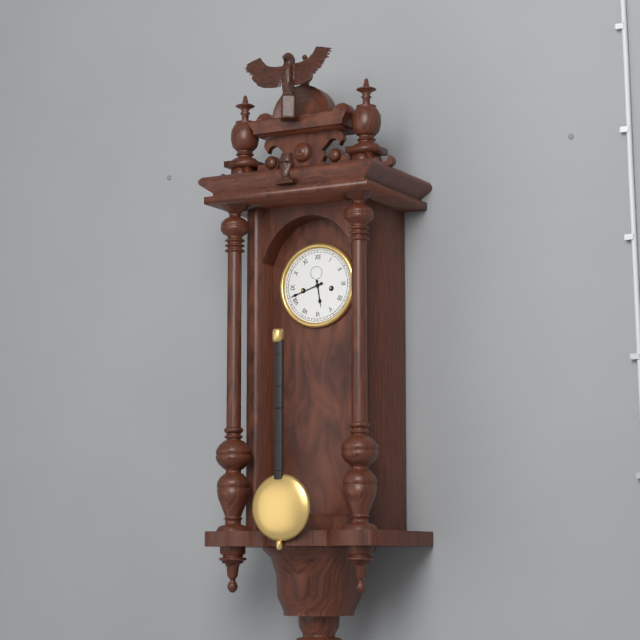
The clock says 5:42
